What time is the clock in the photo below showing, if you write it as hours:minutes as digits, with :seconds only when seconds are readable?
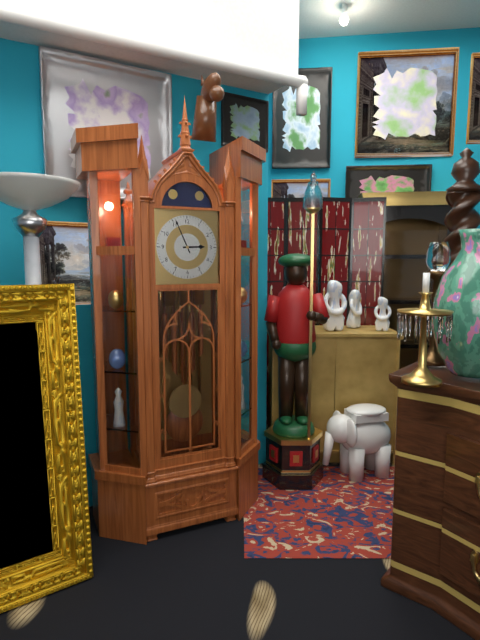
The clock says 2:56
